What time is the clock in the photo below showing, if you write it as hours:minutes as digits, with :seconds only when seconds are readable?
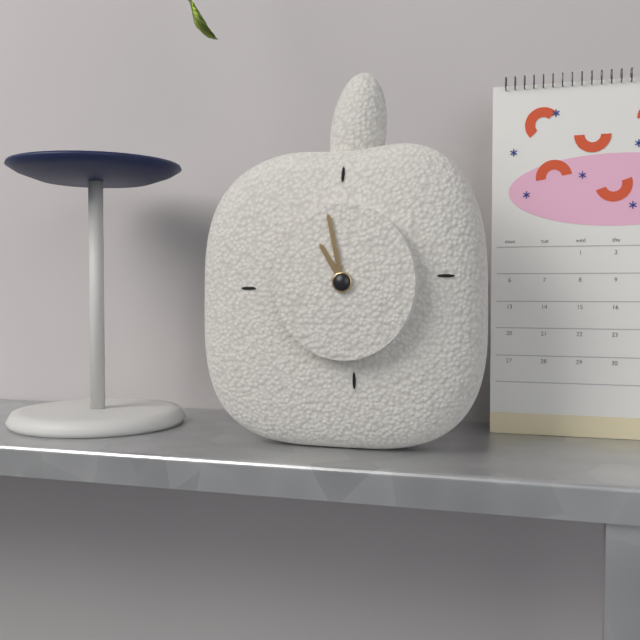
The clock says 10:58
